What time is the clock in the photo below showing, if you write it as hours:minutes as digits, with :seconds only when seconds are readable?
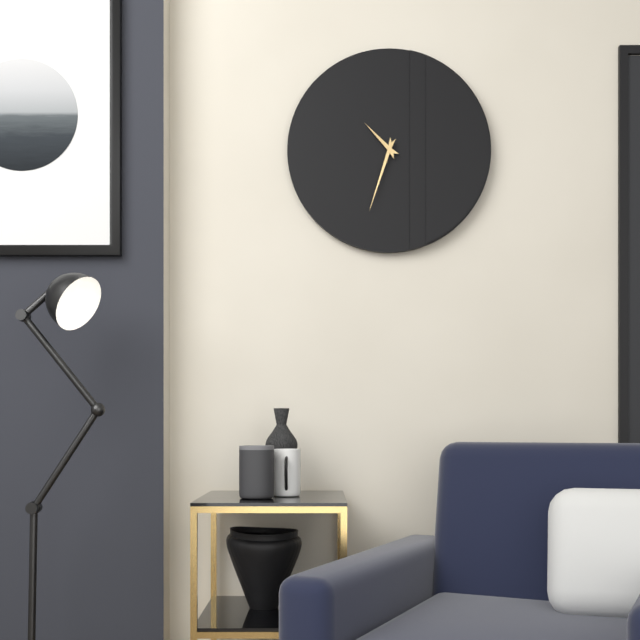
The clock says 10:33
